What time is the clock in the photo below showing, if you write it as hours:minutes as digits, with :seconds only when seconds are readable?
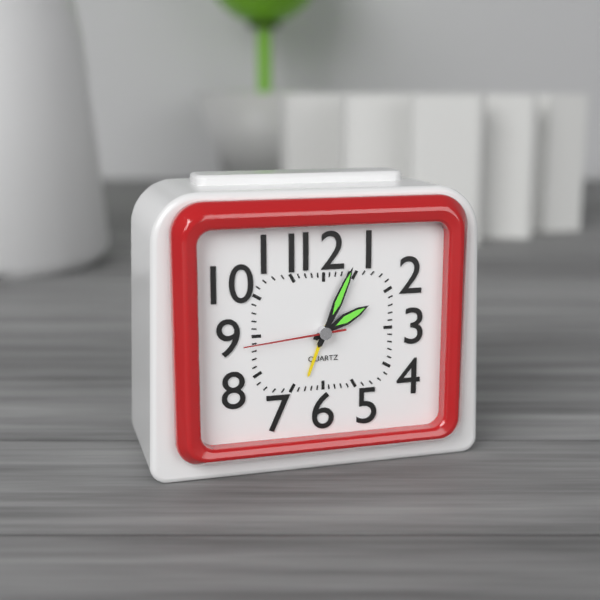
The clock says 2:04:44
